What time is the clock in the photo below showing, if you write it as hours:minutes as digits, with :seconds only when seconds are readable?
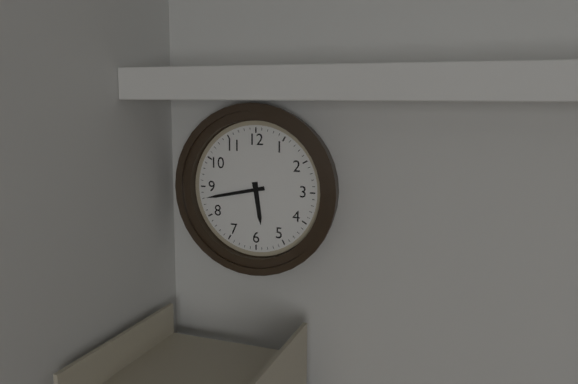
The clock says 5:43
